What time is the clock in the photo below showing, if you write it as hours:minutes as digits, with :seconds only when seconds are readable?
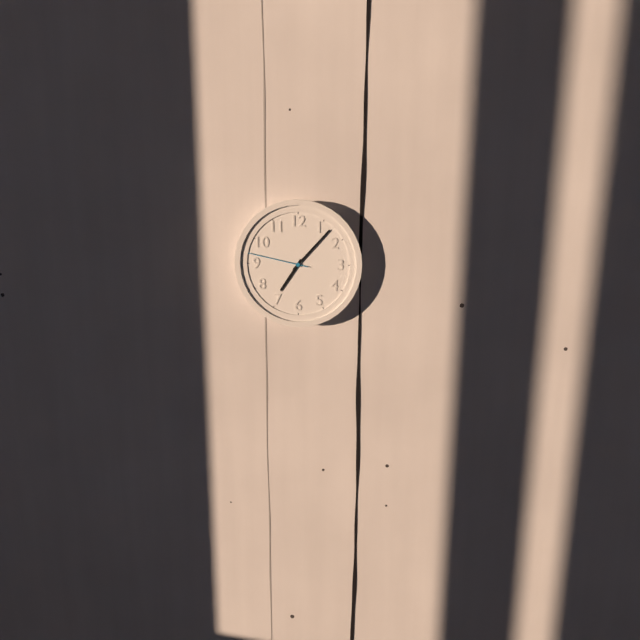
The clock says 7:07:47
